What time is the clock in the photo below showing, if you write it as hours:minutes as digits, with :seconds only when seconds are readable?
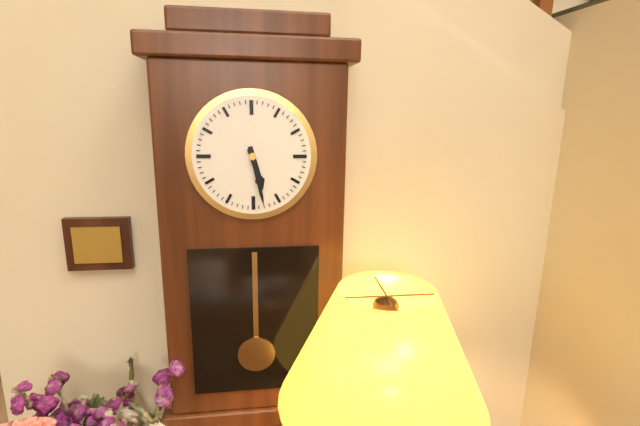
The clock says 5:28
